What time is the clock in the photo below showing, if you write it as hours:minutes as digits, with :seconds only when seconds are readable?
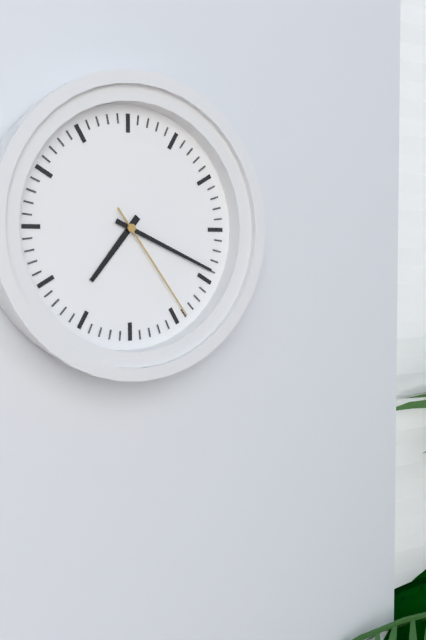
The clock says 7:19:24
